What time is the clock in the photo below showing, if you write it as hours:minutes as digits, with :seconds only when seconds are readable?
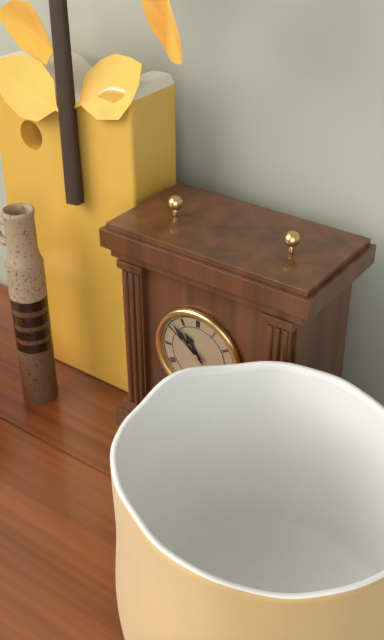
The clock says 10:52:51
